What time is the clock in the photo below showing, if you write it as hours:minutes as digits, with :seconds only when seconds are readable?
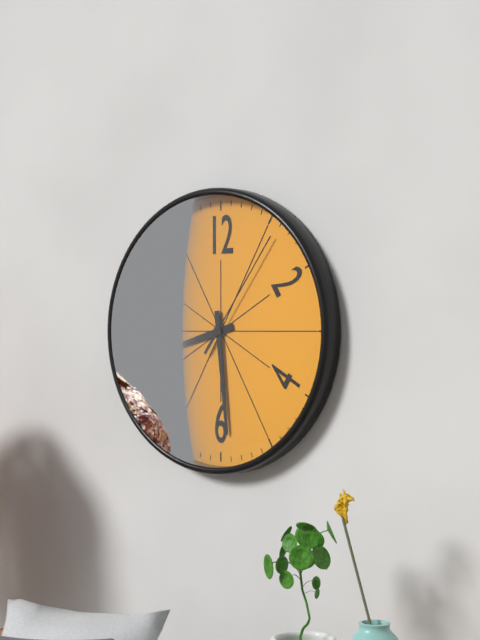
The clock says 8:29:06
